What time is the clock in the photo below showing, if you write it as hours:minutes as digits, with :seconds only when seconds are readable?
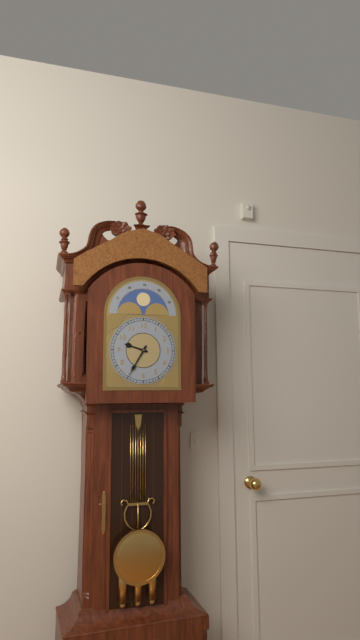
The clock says 9:35
